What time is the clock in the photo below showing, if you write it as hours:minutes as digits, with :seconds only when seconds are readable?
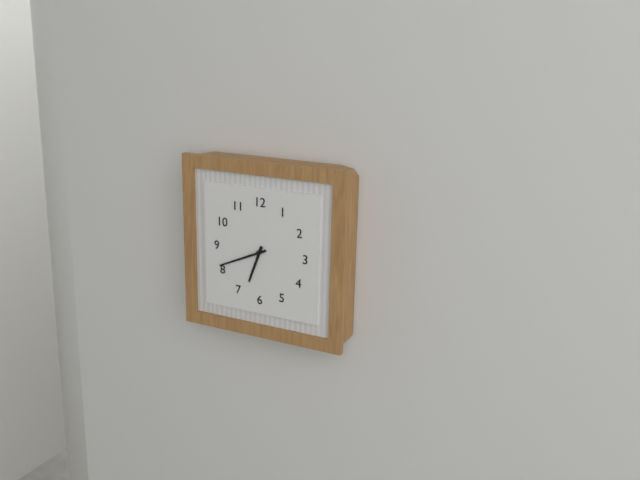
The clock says 6:41
